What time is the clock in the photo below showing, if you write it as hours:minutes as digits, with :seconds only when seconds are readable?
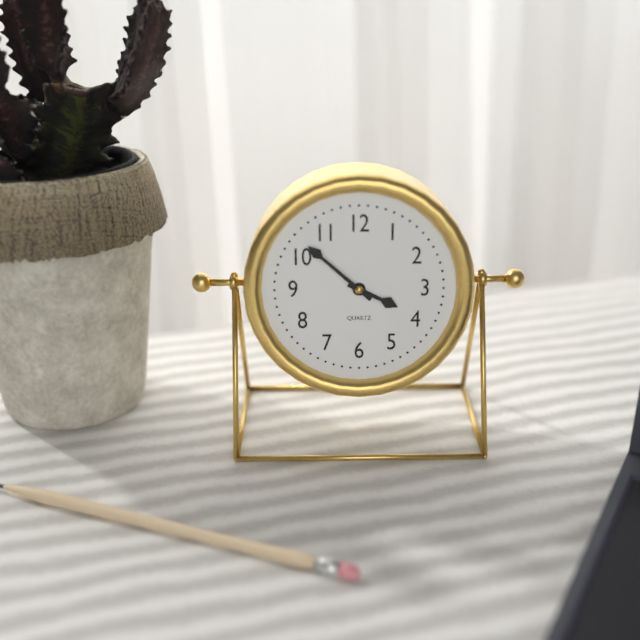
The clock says 3:52
